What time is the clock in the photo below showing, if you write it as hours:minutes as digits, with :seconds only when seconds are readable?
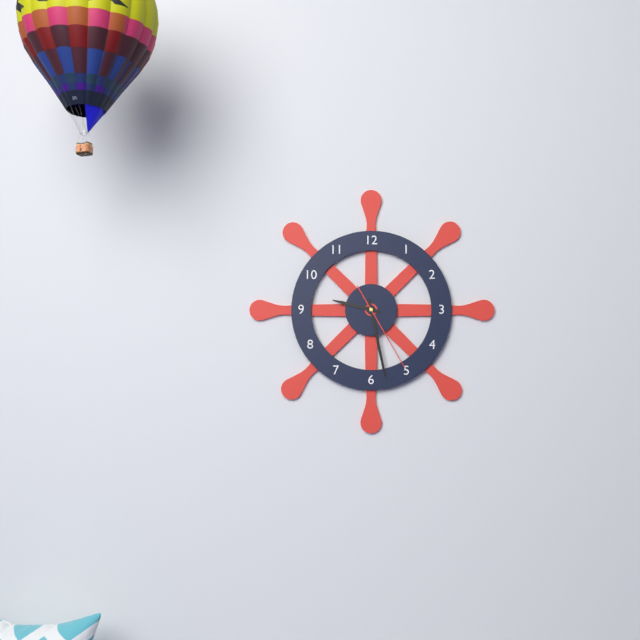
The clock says 9:28:25
